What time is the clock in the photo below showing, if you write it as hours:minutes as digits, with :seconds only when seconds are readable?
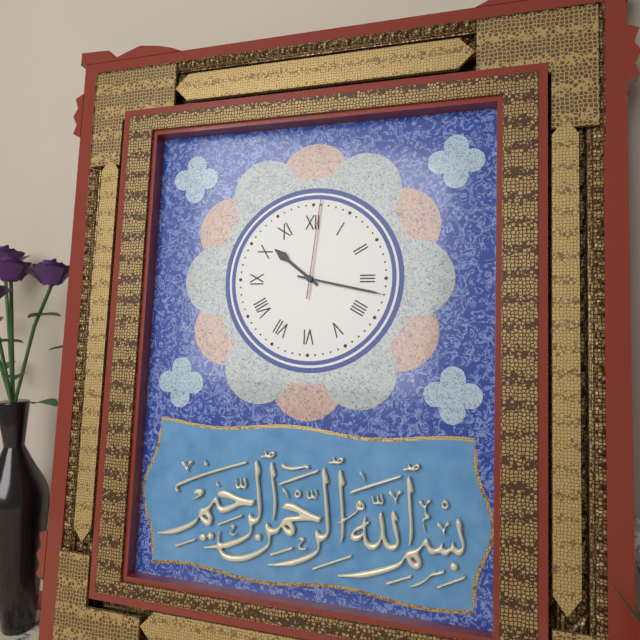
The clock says 10:17:01
